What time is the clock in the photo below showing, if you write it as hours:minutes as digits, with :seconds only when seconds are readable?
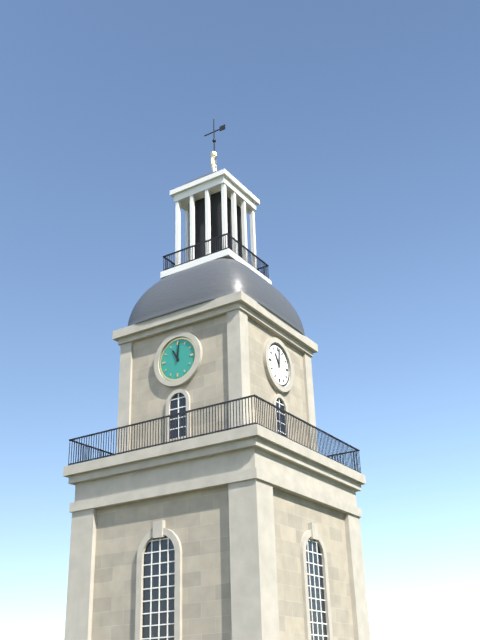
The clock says 11:01
